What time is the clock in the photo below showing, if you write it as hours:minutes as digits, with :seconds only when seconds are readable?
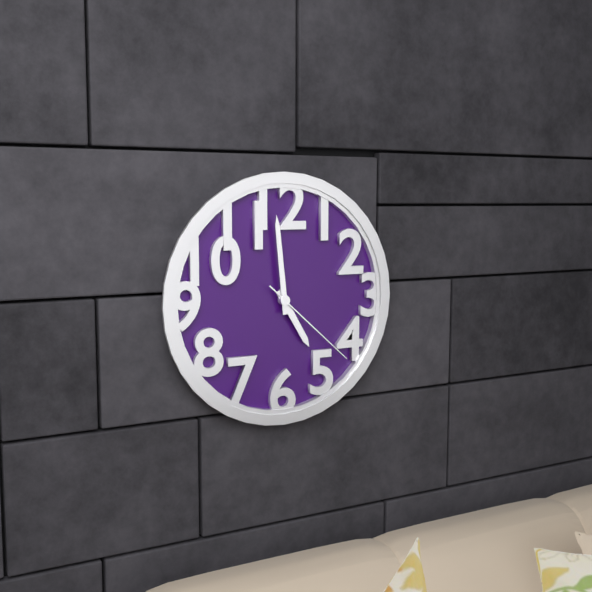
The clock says 4:59:22
